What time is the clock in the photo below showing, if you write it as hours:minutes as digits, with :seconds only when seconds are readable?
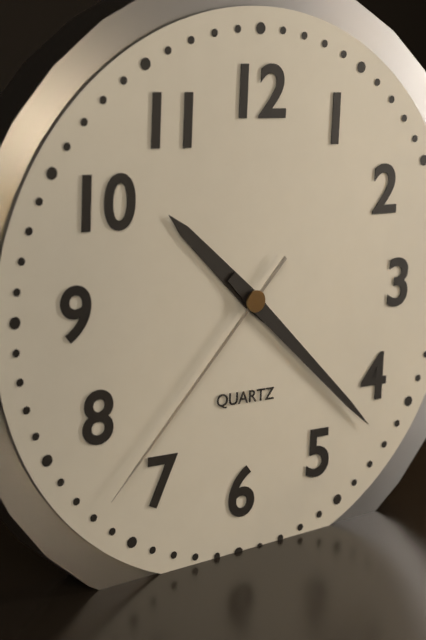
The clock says 10:22:37
